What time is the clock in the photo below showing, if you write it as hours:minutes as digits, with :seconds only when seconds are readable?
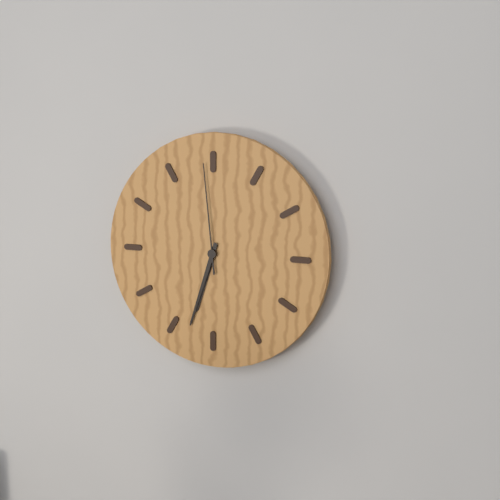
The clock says 6:33:59
